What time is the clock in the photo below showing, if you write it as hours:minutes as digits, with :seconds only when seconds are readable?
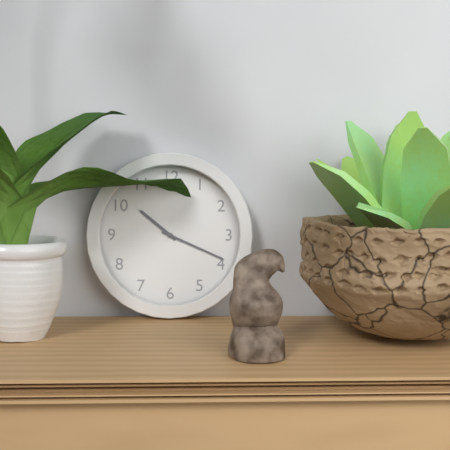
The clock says 10:19
